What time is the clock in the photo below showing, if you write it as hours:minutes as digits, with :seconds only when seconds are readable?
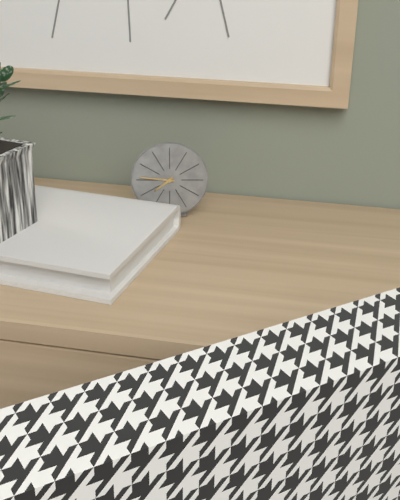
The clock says 7:46
